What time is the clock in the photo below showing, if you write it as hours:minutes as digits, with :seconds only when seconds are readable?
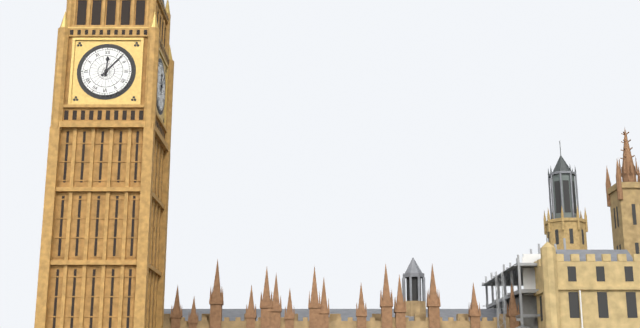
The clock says 12:07
